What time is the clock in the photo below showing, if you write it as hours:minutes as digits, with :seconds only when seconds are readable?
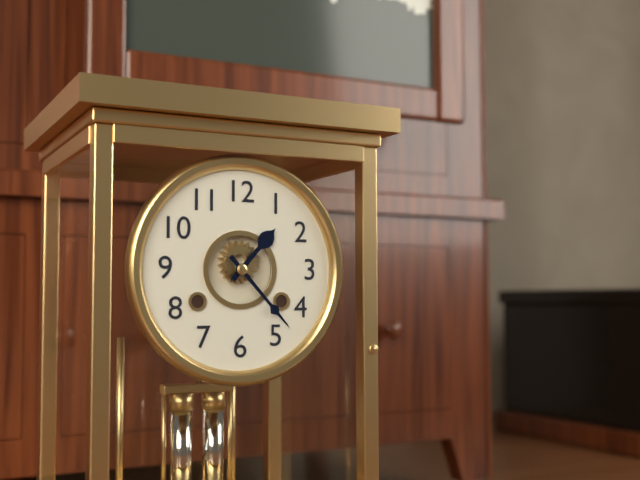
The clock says 1:23
